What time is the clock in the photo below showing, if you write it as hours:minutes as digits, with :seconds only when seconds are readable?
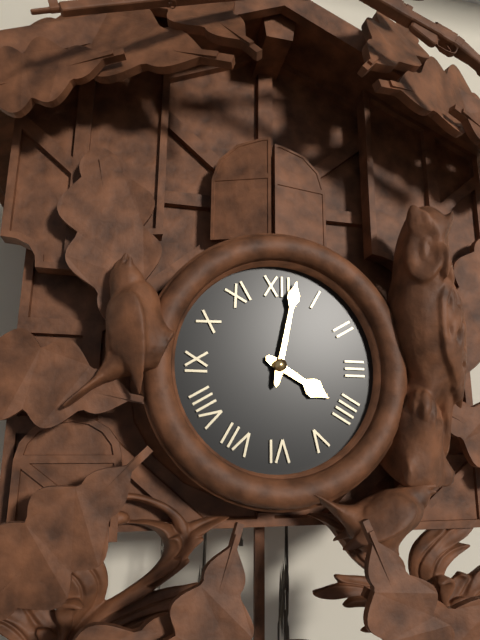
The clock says 4:02
